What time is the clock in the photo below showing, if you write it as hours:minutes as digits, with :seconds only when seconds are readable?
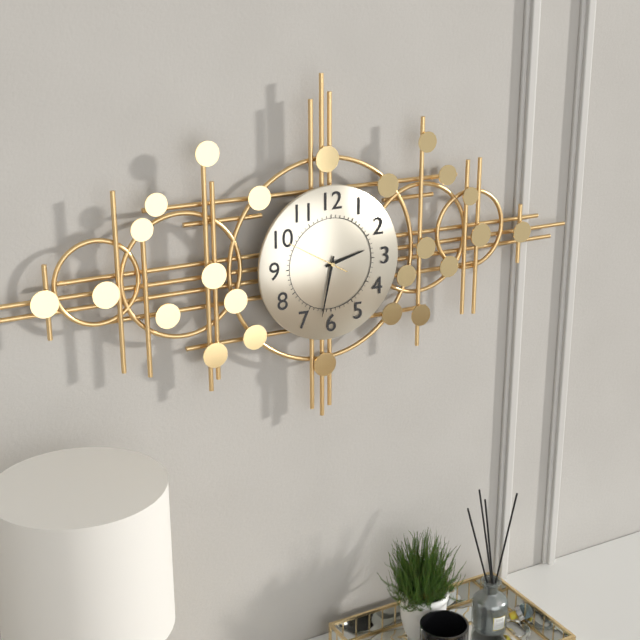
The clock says 2:32:50
